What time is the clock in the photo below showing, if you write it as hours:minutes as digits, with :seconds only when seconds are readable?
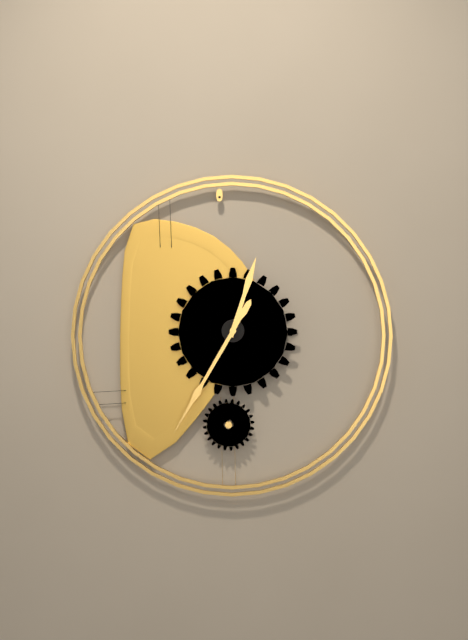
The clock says 12:35
